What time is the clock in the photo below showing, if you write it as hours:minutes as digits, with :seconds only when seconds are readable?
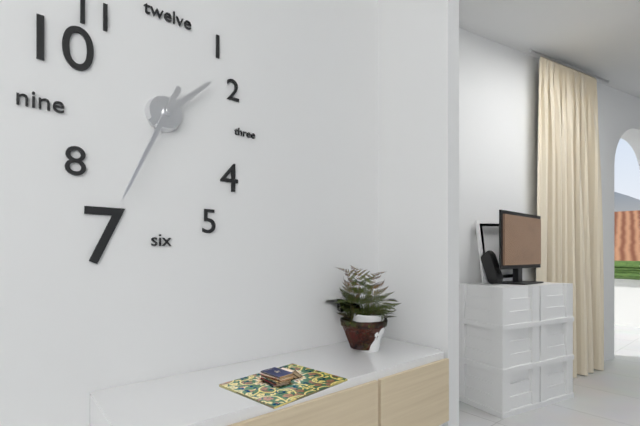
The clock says 1:34
